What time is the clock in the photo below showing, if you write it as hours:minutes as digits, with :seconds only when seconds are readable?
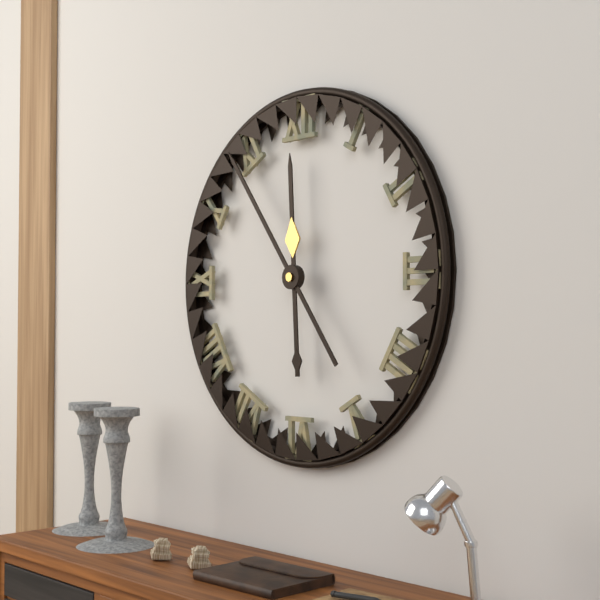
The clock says 11:54
